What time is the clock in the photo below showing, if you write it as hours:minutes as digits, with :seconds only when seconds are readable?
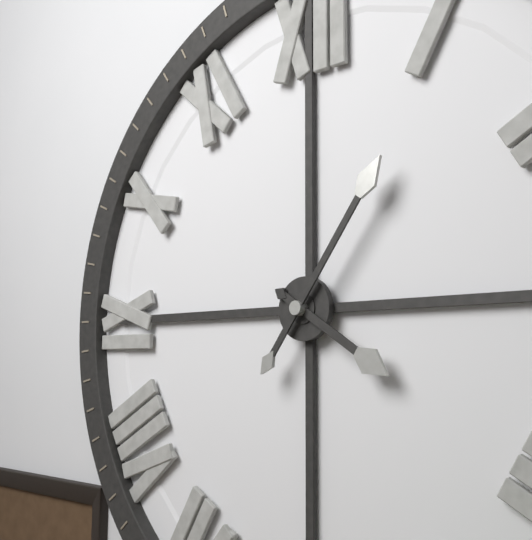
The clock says 4:06
